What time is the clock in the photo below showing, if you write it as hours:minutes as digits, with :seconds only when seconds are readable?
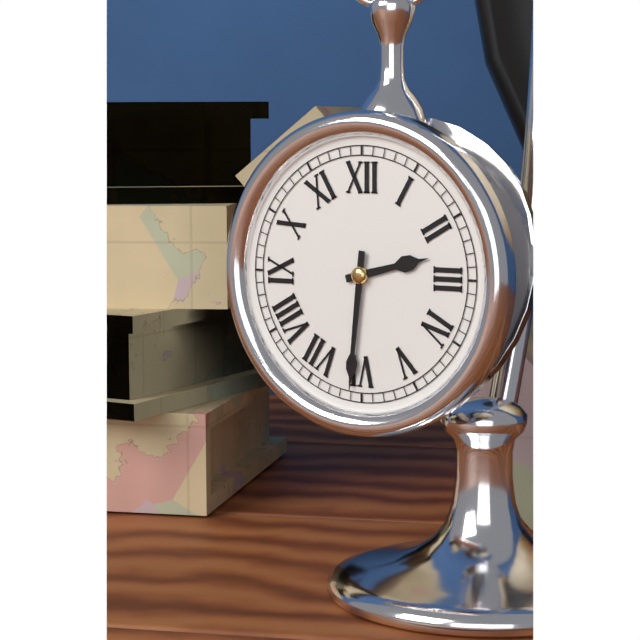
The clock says 2:31
